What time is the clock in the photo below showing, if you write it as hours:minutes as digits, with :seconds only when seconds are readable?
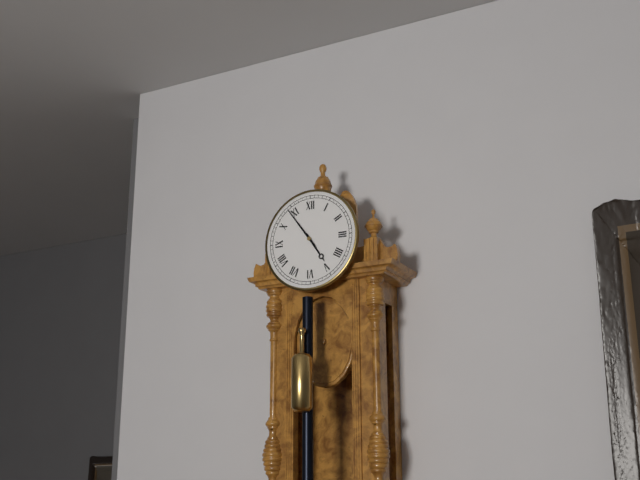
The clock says 4:54
